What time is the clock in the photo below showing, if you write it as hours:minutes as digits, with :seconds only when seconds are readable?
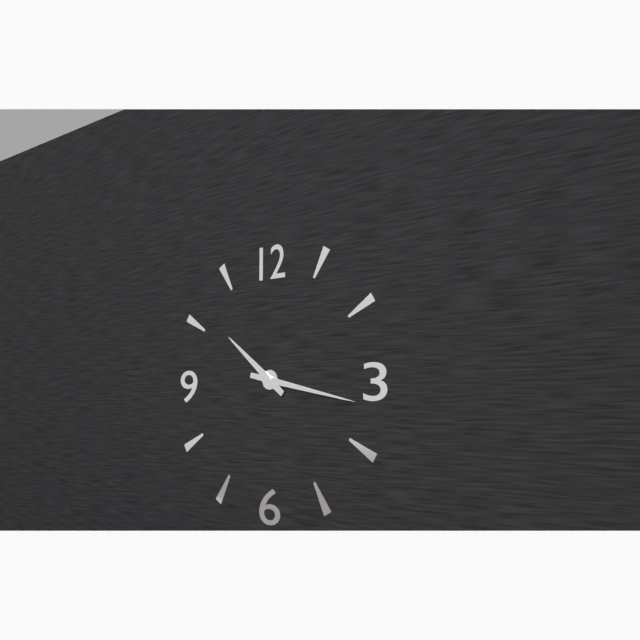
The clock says 10:17
